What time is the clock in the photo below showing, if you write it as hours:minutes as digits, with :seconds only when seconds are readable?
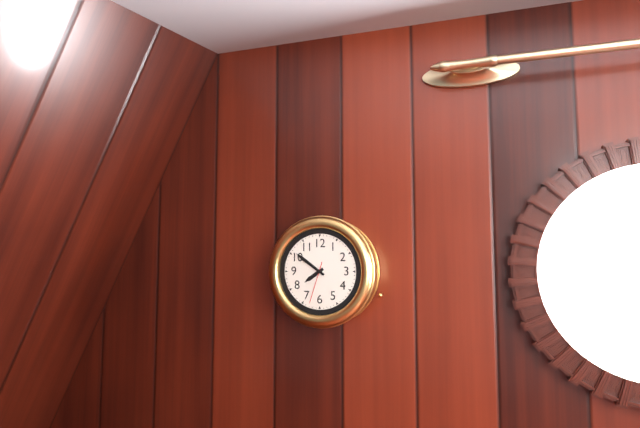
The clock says 7:51
